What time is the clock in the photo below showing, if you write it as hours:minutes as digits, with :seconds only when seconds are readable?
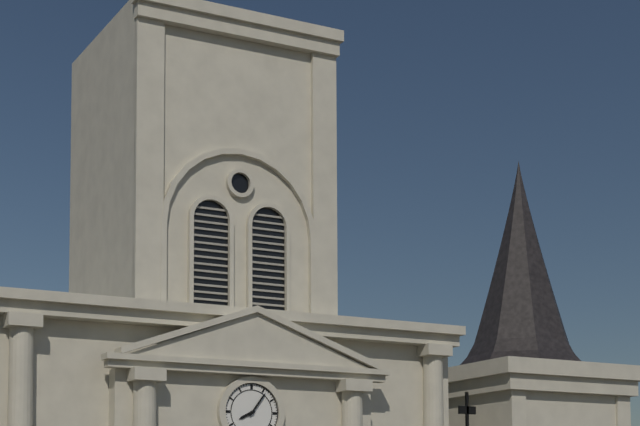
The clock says 8:06
